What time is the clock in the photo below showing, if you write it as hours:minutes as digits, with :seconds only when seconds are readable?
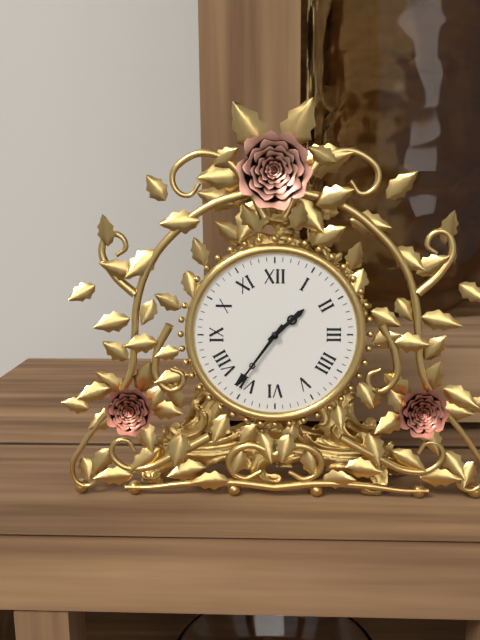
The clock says 1:36
